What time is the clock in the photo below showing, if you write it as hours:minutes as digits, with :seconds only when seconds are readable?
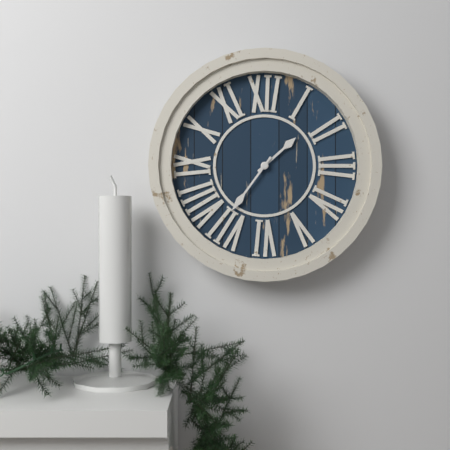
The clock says 1:36
